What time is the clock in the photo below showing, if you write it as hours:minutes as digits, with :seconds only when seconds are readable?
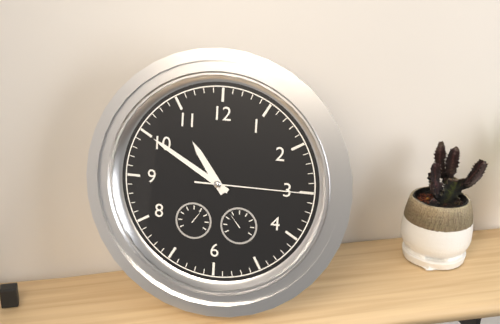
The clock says 10:50:15
